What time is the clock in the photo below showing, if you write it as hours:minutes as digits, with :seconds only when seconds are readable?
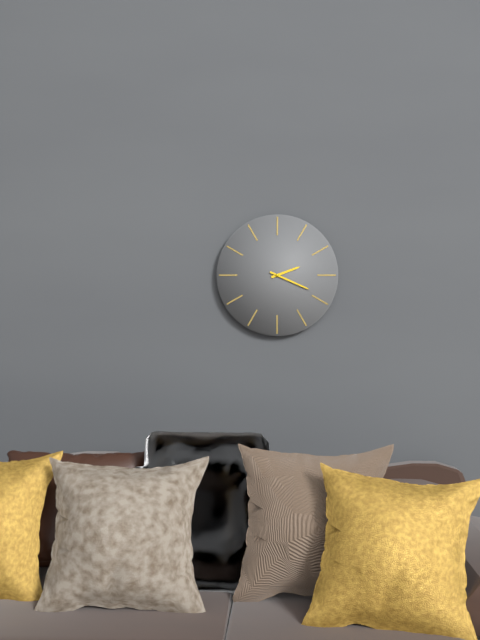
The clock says 2:19
